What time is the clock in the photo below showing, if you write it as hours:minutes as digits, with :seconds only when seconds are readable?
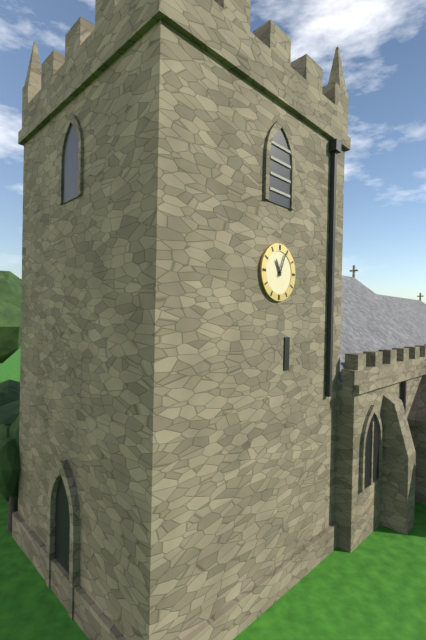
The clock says 11:04
